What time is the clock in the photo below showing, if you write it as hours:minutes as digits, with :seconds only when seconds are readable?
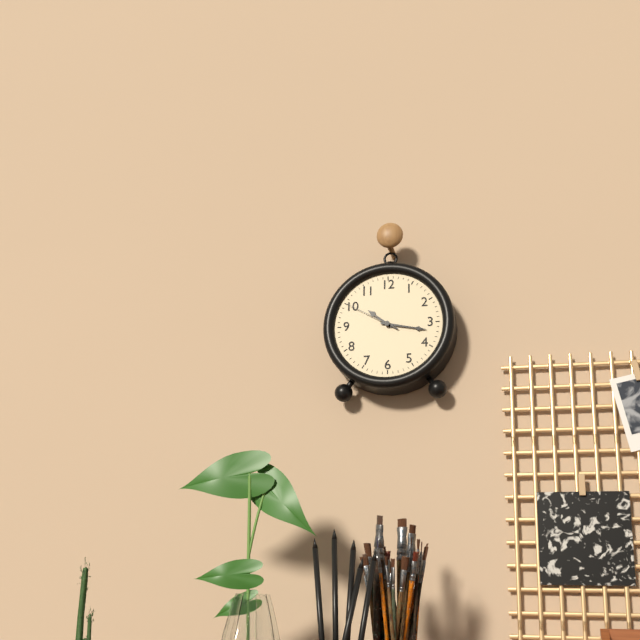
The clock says 10:17:50
